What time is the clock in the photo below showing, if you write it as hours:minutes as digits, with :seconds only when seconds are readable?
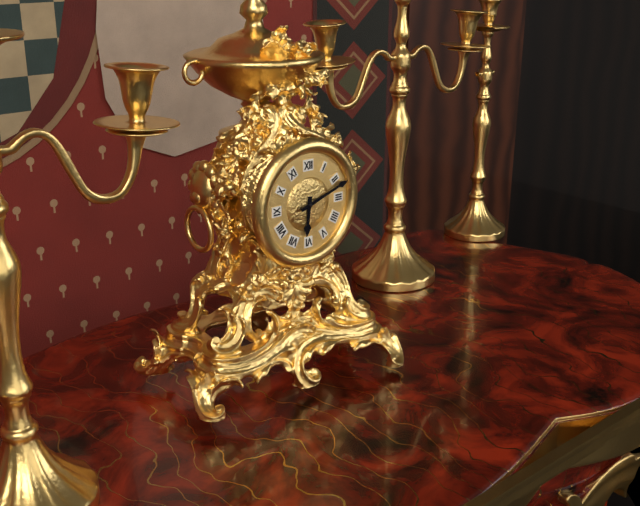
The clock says 6:12
